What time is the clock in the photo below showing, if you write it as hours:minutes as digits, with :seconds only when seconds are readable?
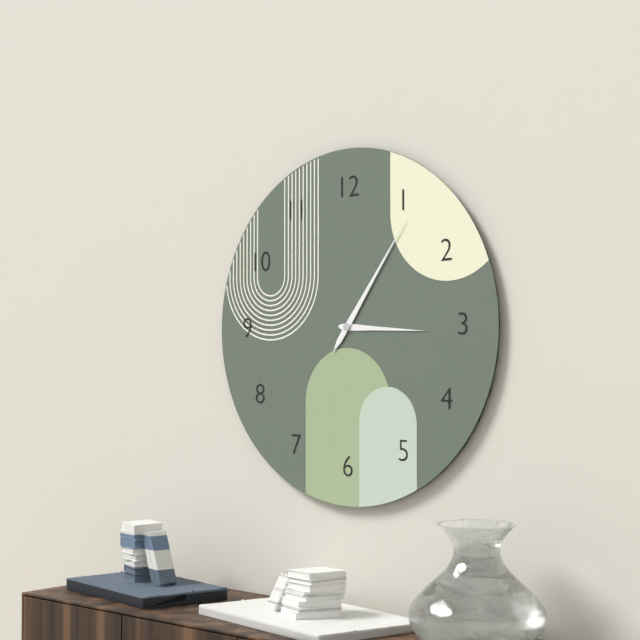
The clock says 3:06
